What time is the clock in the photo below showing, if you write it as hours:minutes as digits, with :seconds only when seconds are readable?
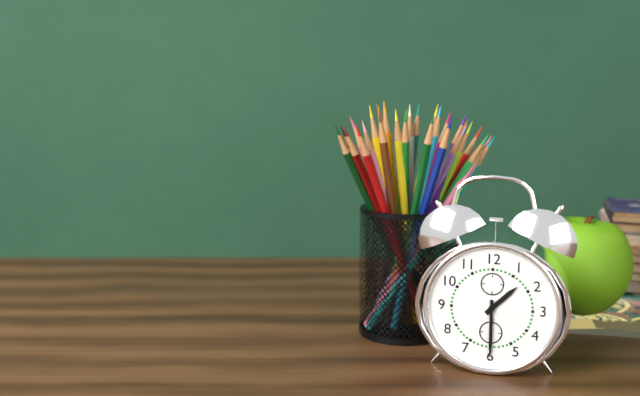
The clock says 1:30
